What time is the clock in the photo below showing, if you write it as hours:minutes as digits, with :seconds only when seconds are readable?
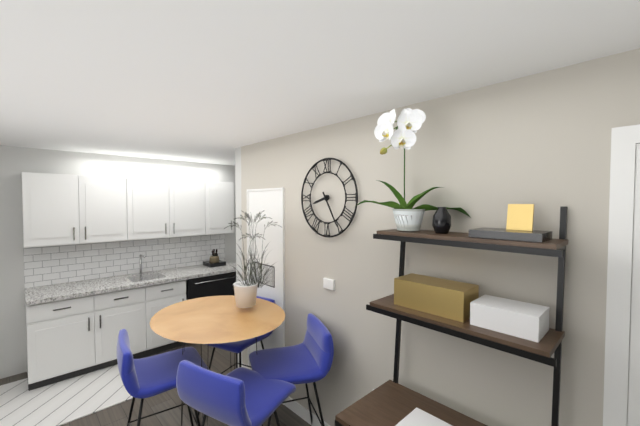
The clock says 8:25
